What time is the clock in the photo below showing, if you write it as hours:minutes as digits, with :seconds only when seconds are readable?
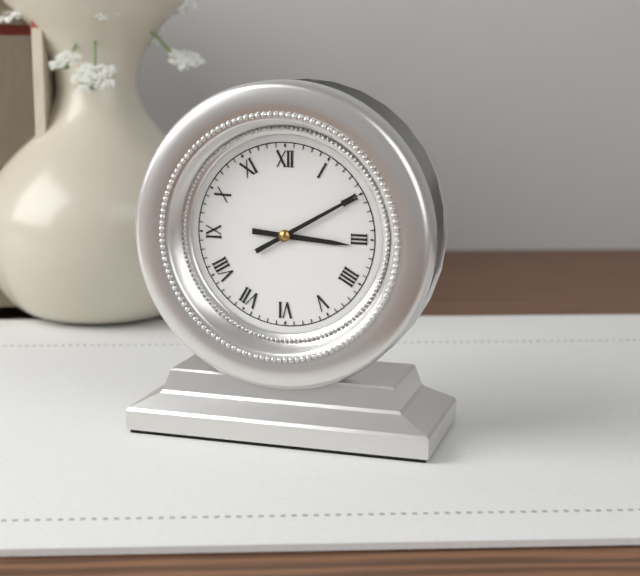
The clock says 3:10
